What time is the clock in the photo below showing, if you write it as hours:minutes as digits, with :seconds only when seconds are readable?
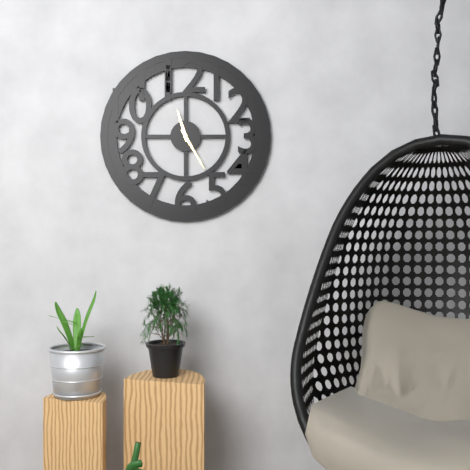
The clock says 11:25
